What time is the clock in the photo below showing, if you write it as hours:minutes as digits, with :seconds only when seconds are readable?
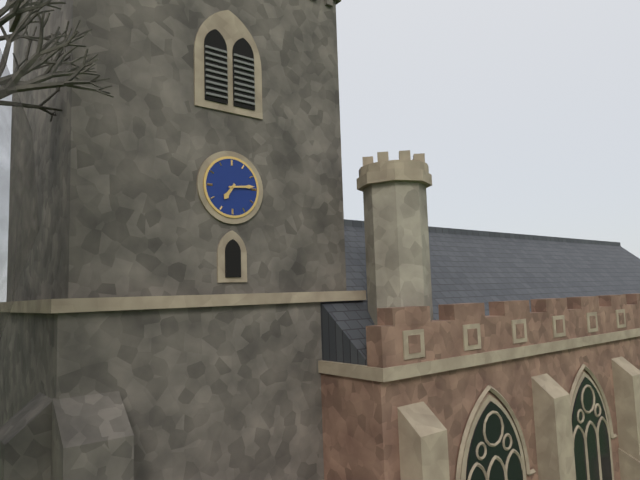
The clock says 7:14
